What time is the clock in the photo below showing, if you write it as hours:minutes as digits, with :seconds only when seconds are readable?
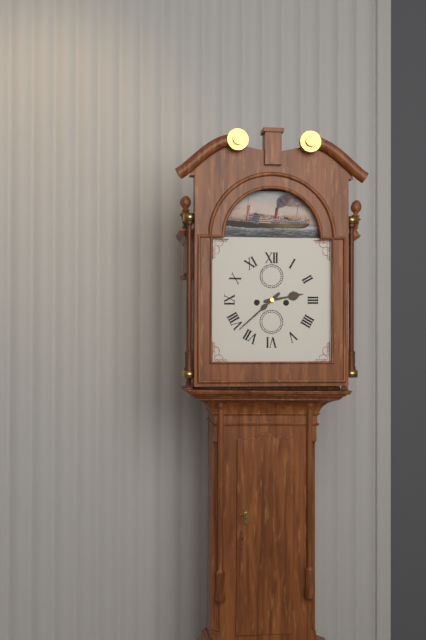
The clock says 2:38
